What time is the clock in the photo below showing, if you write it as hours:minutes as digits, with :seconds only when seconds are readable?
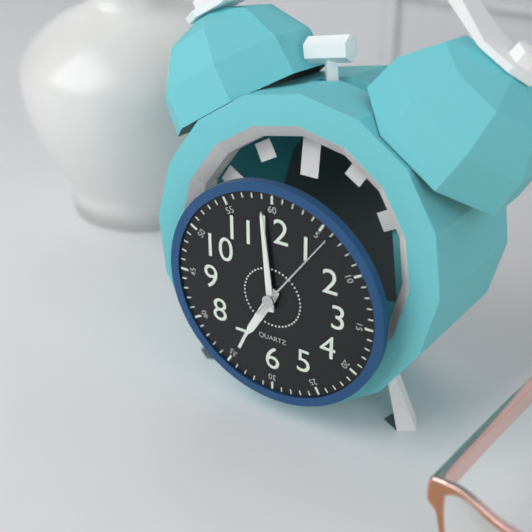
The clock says 6:59:06
